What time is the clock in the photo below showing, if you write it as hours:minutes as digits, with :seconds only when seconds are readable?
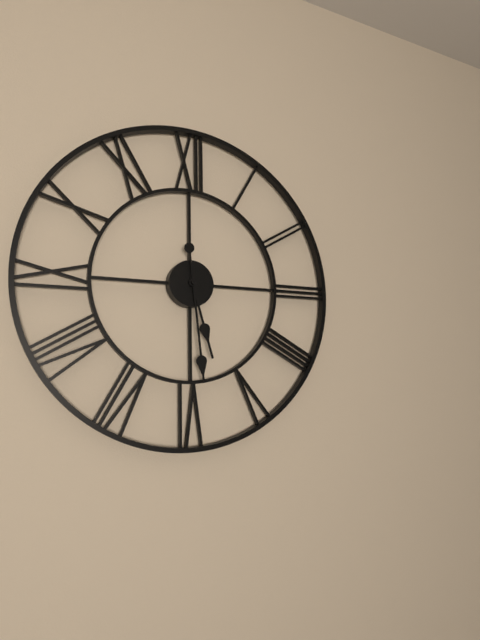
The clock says 5:29
